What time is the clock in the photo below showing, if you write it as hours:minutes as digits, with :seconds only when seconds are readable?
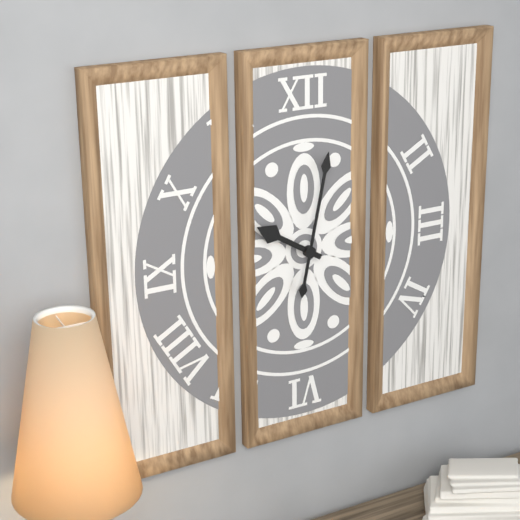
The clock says 10:02
